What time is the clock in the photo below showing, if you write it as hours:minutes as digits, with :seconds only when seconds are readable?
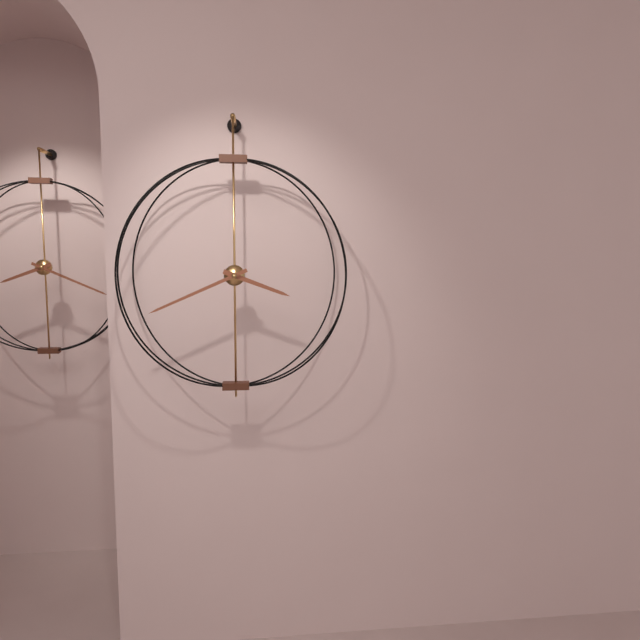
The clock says 3:41
